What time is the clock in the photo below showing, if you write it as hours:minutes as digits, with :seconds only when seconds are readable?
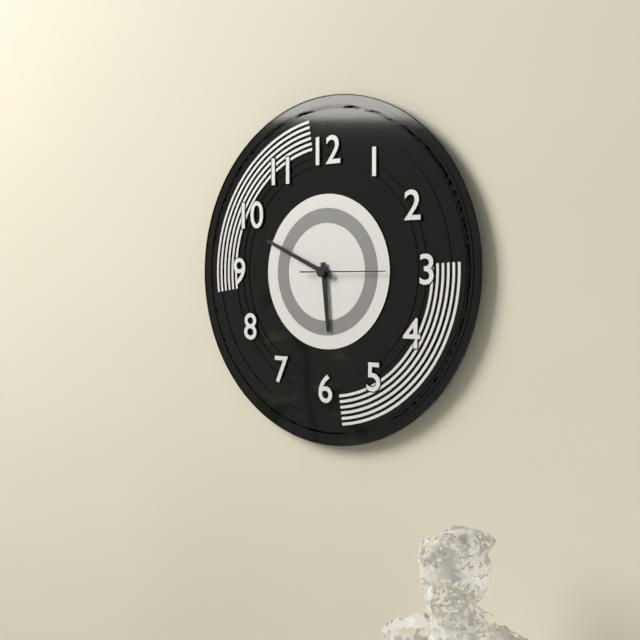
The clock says 5:49:15
